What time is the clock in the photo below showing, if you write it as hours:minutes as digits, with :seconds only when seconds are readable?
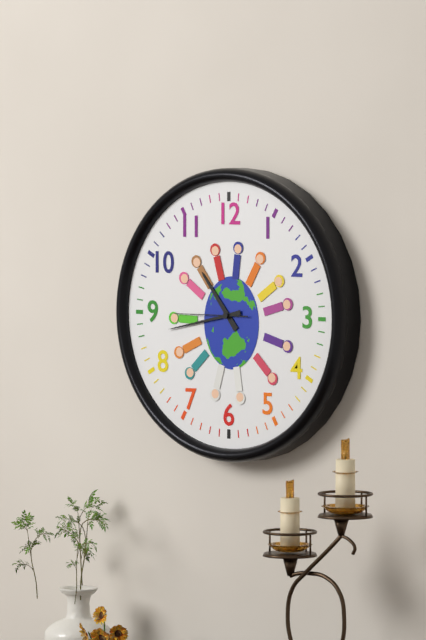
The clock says 10:43:45
